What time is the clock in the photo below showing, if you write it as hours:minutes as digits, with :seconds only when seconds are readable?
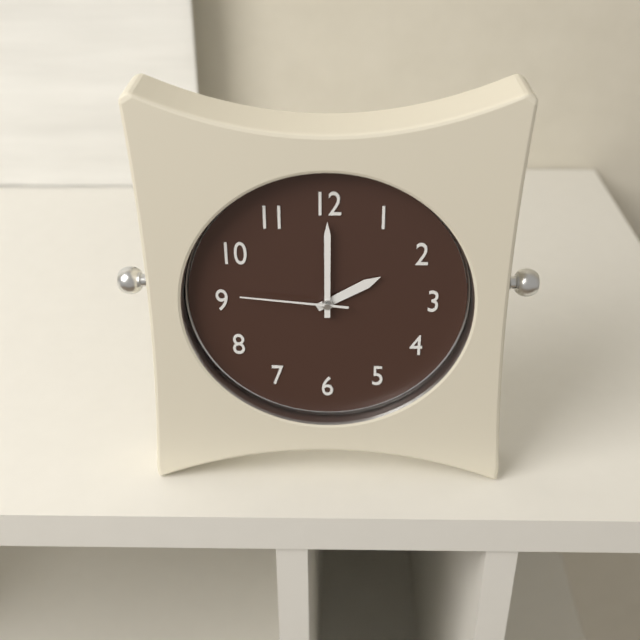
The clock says 2:00:46
